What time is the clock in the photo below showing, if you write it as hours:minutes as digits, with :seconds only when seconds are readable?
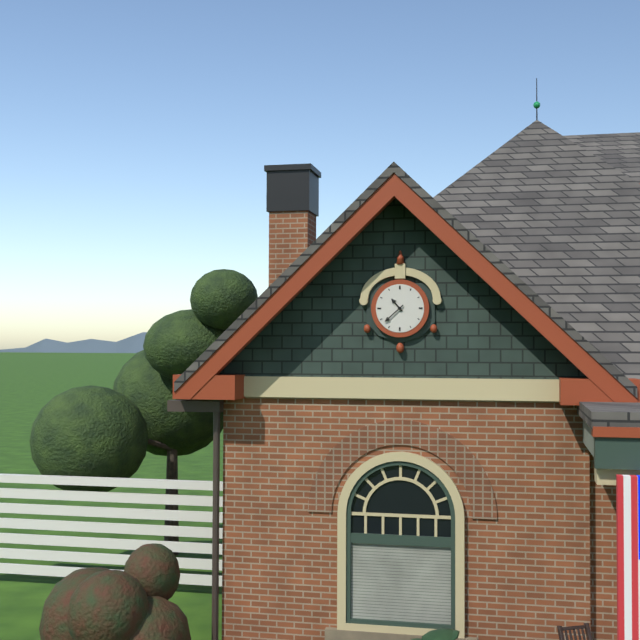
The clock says 10:38
